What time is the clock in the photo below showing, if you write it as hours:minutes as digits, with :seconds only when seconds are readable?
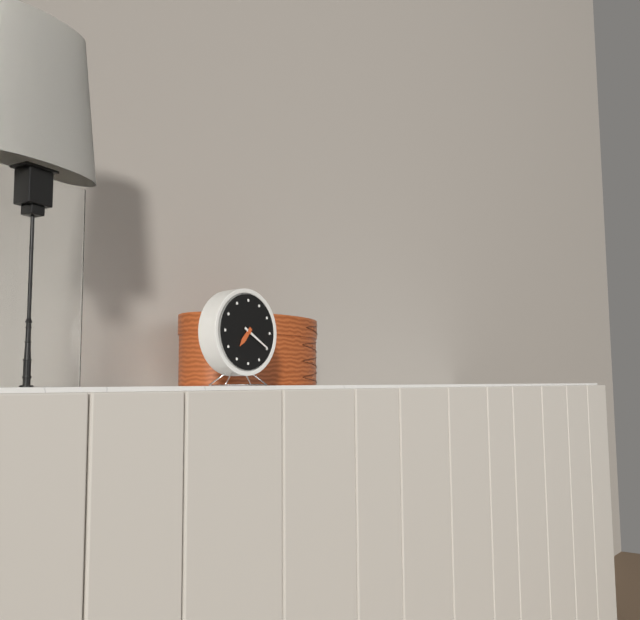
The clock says 7:20
